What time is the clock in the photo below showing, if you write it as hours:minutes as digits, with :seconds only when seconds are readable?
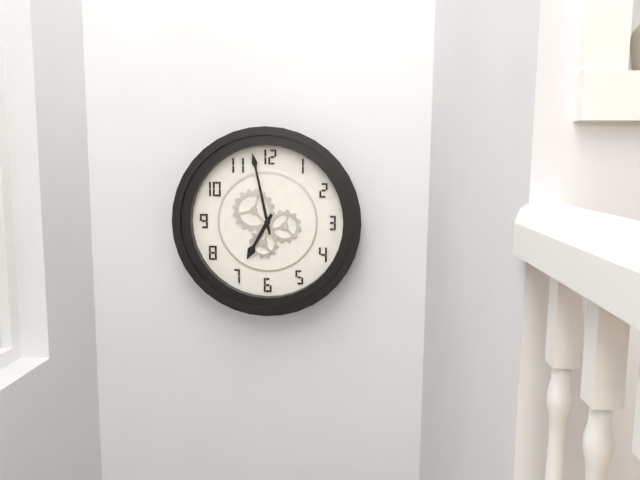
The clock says 6:58
